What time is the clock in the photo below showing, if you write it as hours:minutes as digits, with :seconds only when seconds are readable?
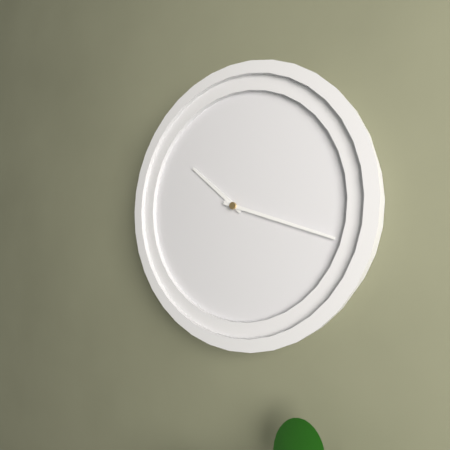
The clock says 10:18
